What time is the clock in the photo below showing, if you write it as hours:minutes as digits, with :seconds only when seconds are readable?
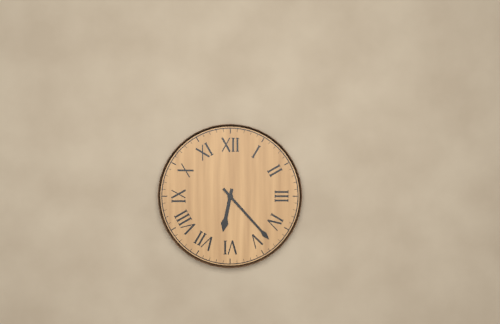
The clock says 6:23
